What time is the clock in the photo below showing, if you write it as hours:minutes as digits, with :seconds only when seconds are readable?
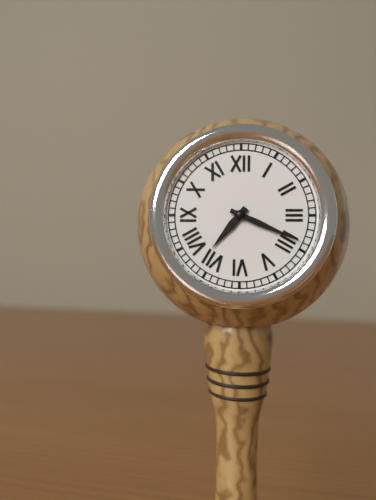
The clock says 7:19
